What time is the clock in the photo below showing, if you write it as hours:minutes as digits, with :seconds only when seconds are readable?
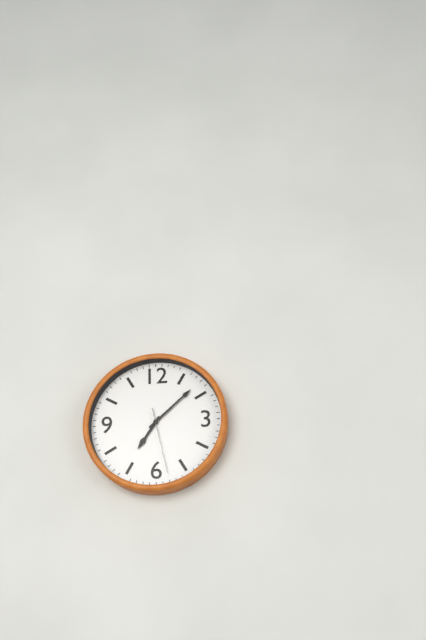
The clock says 7:08:28
